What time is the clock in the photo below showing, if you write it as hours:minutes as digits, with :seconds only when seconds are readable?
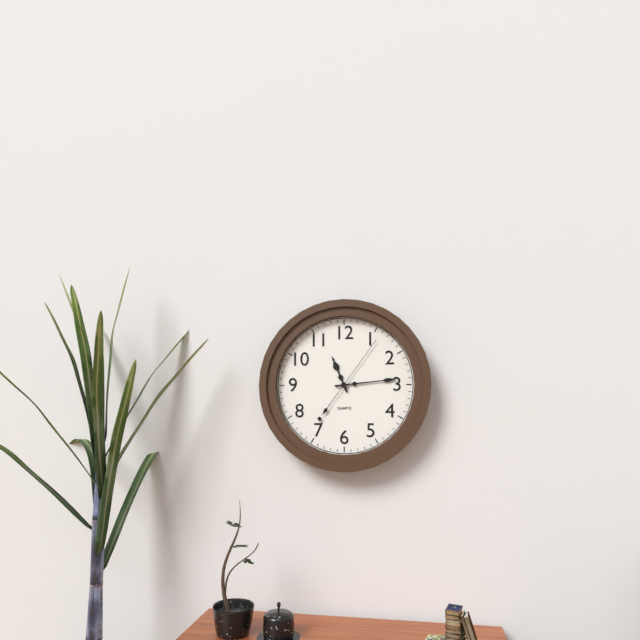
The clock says 11:14:06
